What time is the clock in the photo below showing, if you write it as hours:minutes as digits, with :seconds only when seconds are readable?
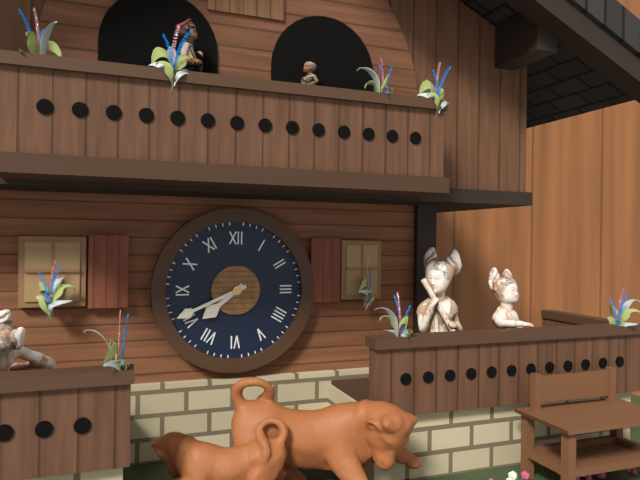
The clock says 7:41
